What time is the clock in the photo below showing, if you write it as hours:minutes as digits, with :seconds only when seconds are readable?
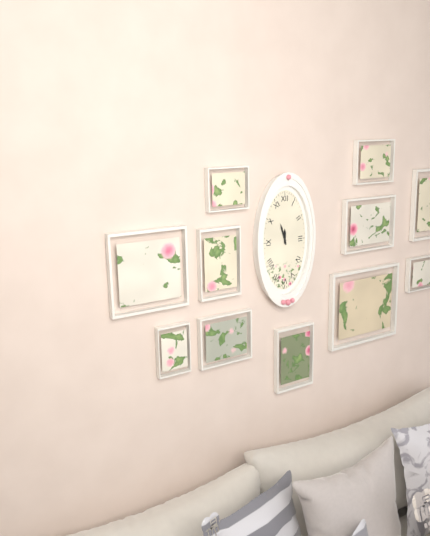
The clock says 11:57
